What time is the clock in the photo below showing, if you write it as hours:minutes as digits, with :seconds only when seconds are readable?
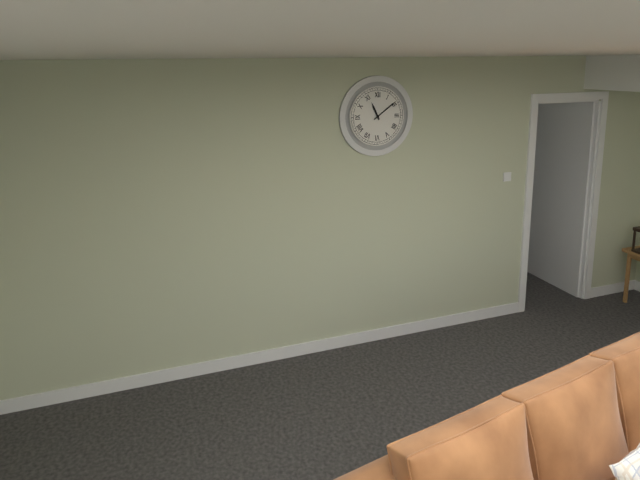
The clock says 11:09
